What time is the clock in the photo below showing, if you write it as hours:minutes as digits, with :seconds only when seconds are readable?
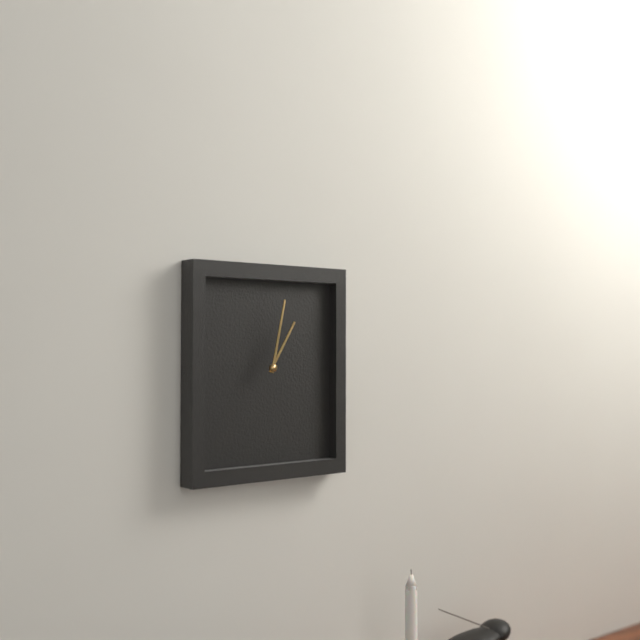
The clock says 1:02
